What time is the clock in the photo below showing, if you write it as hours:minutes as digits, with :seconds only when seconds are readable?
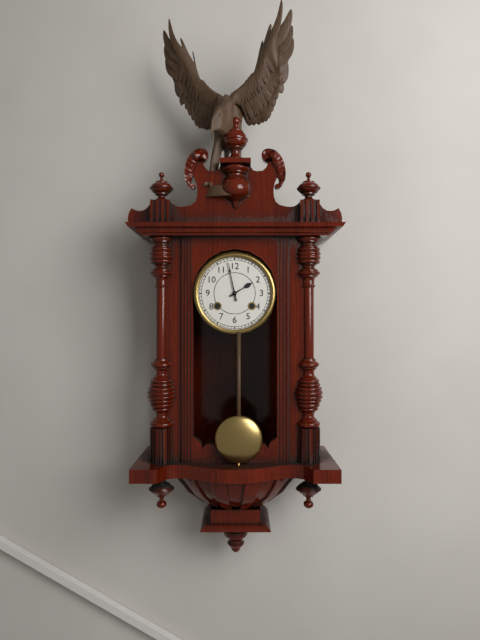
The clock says 1:58
